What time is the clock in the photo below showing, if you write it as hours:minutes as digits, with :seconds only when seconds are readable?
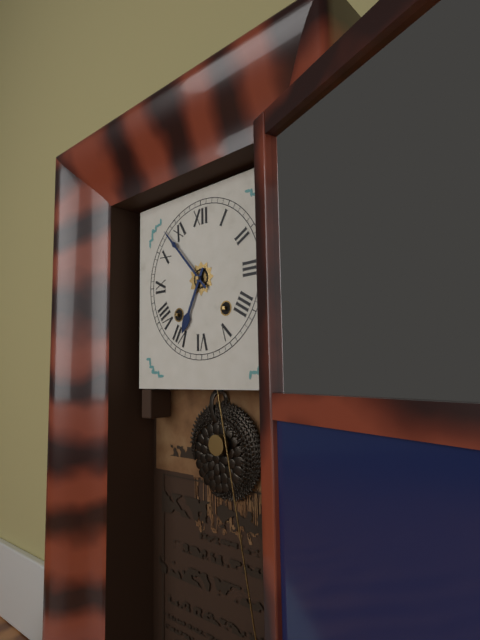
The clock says 6:53
